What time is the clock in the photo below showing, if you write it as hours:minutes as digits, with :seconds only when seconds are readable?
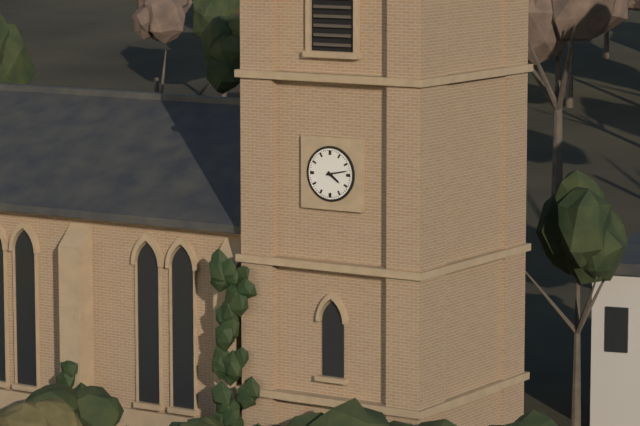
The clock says 4:13
